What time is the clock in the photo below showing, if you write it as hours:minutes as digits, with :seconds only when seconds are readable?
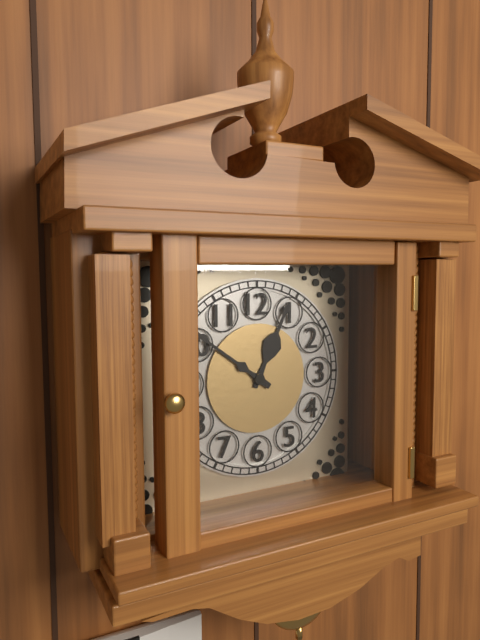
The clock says 12:51
